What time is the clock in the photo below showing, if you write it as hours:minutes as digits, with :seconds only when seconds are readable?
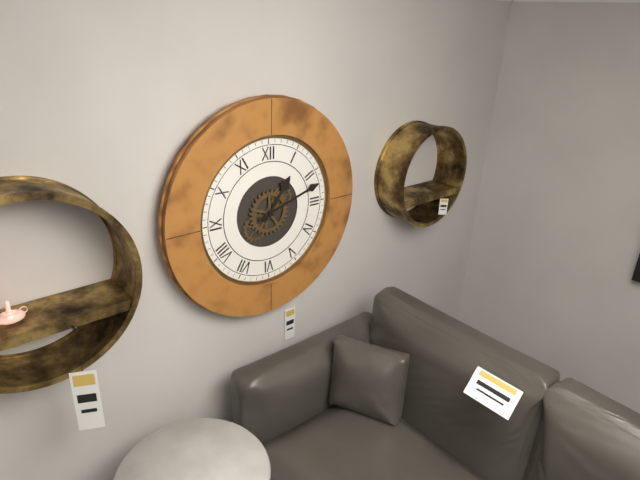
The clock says 1:12
